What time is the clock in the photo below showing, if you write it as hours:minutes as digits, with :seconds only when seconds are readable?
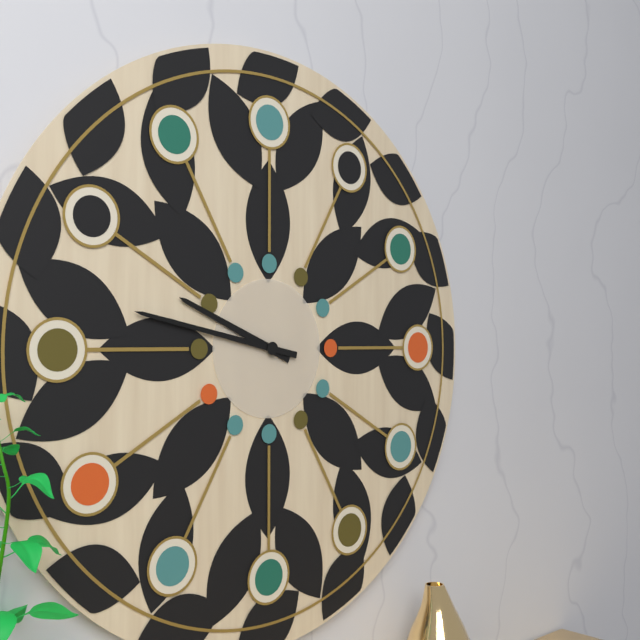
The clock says 9:47
